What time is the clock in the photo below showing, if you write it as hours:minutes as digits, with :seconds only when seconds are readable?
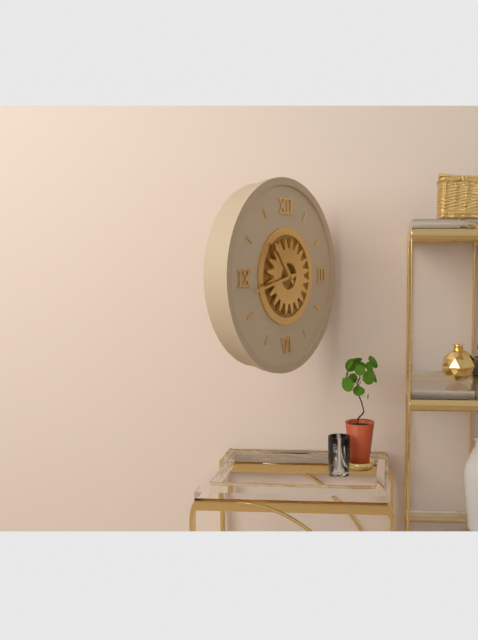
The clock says 10:43
